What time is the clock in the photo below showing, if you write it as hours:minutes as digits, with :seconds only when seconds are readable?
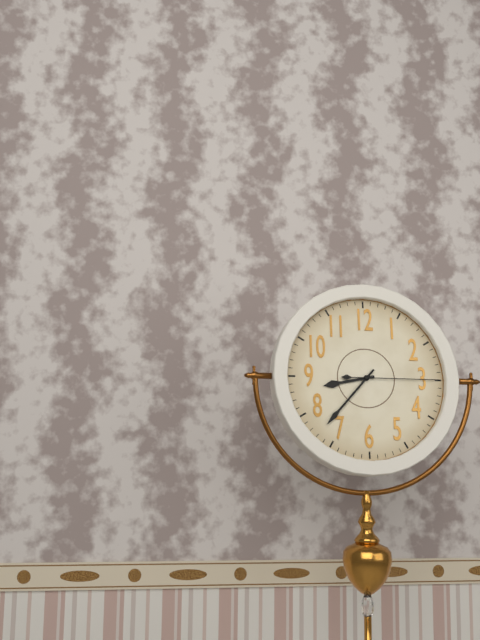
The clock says 8:37:15
